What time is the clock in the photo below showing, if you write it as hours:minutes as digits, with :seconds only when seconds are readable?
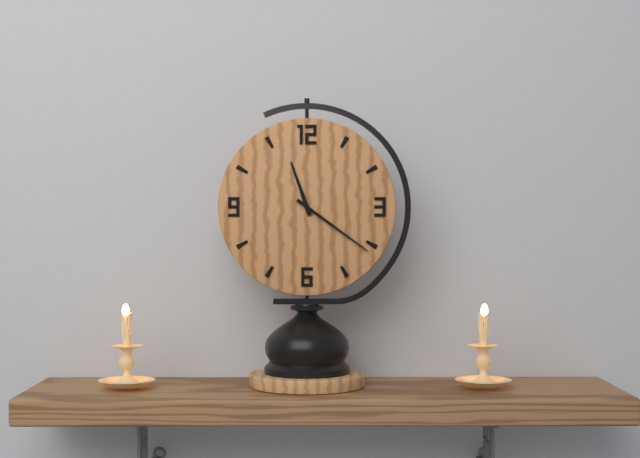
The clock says 11:21
